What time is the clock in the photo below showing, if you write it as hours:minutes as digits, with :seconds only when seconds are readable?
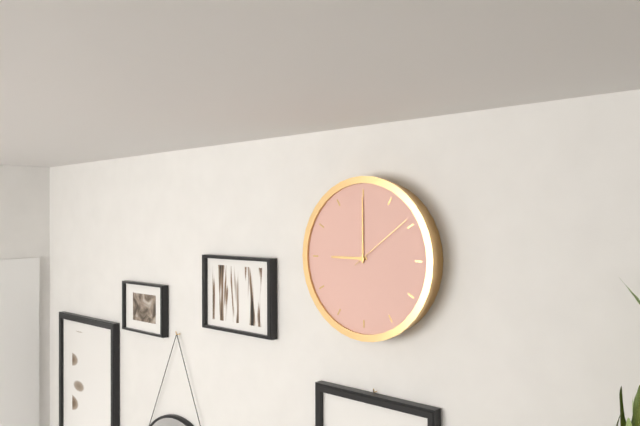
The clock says 9:00:09
